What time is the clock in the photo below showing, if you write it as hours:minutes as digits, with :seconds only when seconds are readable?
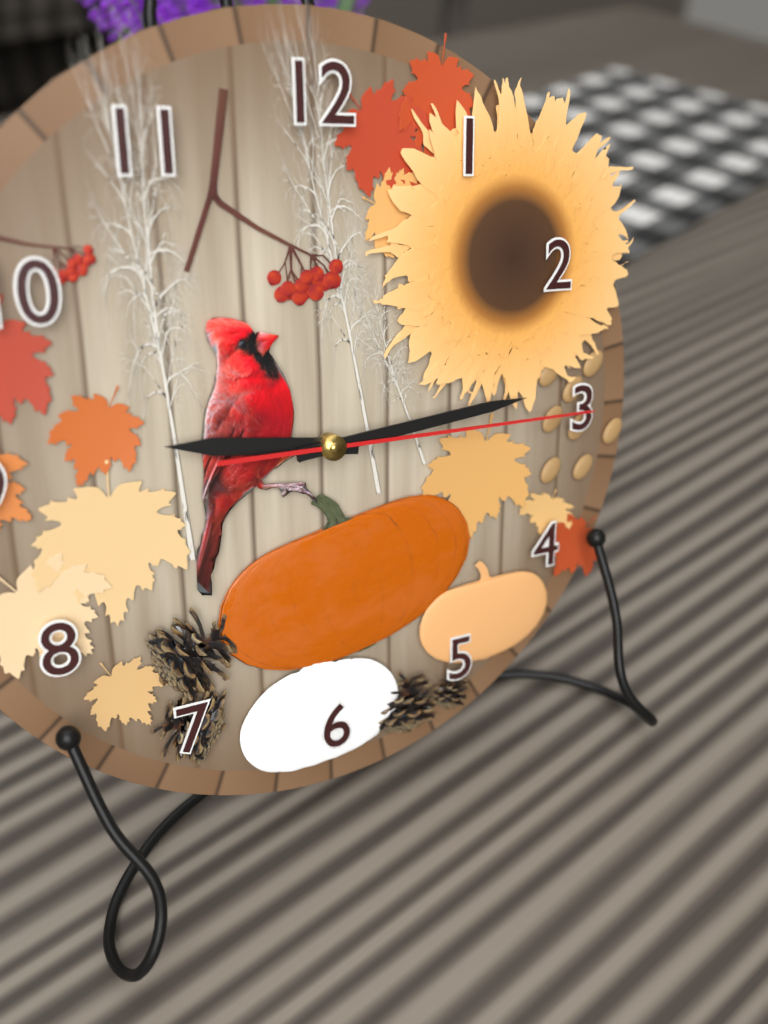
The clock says 9:14:15
